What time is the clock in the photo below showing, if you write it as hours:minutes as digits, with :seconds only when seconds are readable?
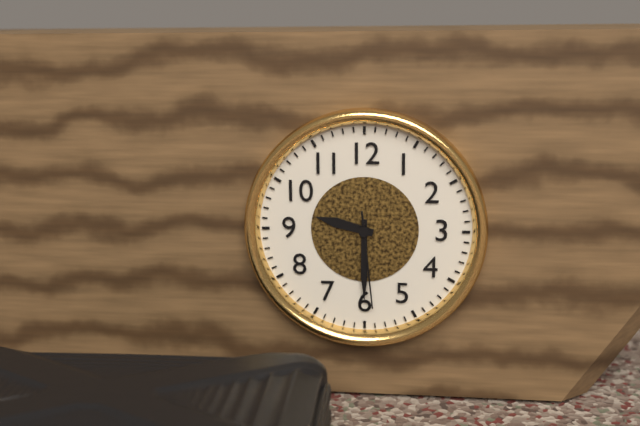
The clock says 9:30:29
